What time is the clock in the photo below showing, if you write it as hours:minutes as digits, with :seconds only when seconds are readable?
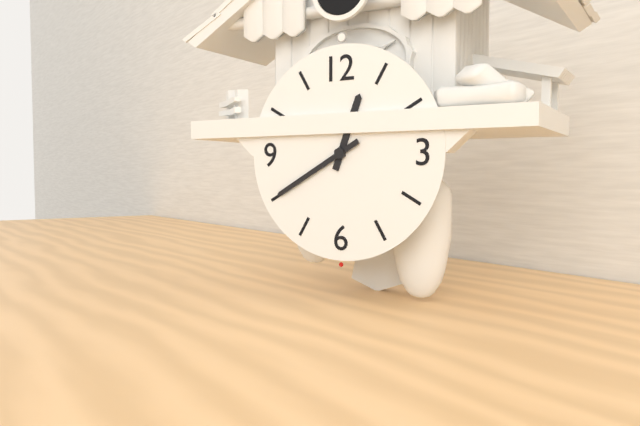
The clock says 12:40
